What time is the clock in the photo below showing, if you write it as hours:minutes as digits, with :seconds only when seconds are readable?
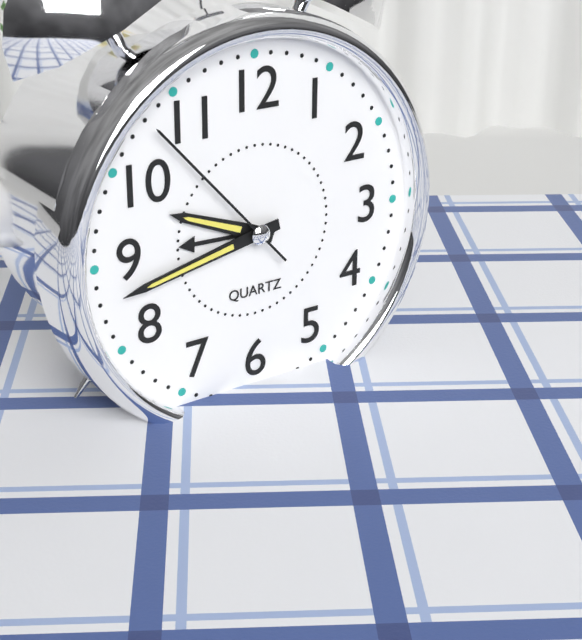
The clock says 9:43:53
